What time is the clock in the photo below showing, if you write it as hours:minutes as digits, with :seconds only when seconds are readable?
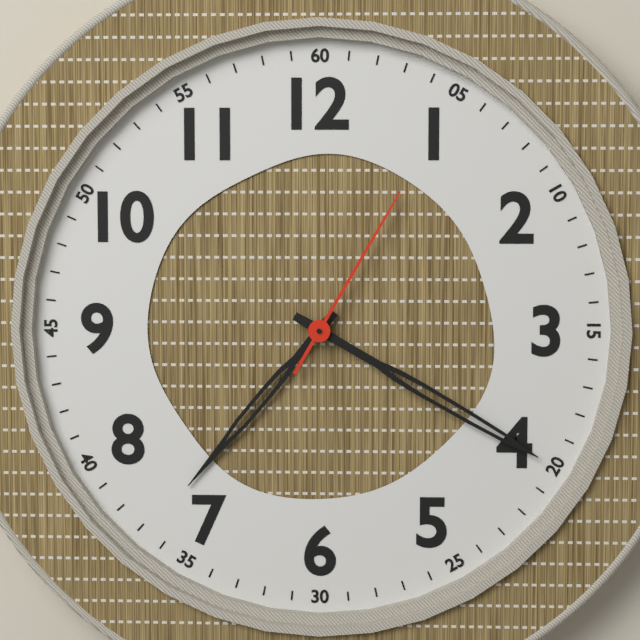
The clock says 7:20:05
